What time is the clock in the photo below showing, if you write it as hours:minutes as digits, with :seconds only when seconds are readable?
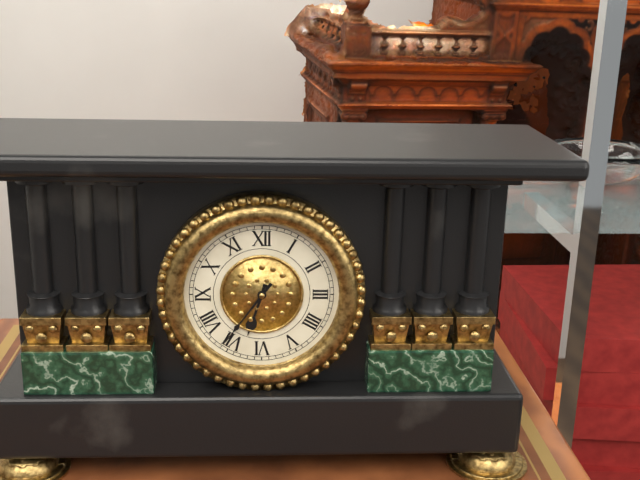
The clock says 6:36
